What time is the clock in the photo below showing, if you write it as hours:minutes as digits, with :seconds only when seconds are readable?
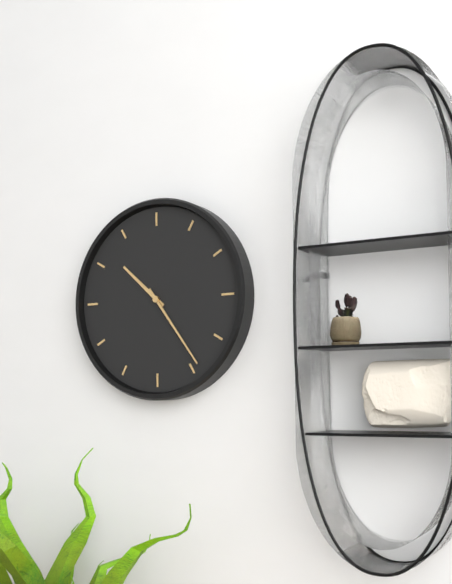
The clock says 10:24
